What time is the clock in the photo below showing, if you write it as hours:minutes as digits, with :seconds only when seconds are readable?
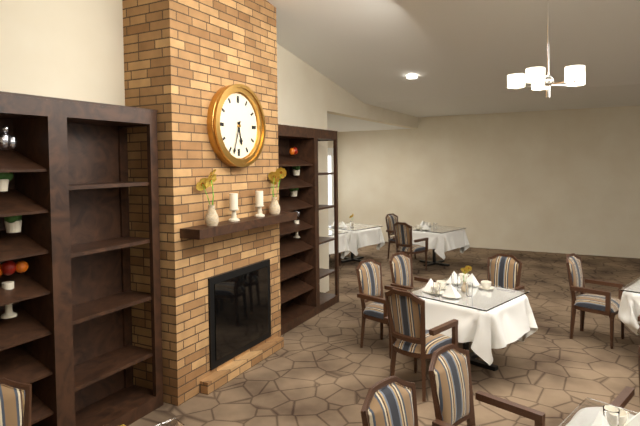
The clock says 5:33
